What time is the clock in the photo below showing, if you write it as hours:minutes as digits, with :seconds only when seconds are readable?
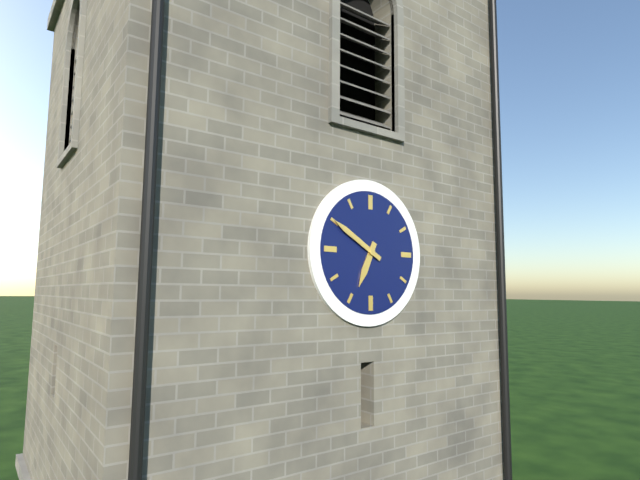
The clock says 6:50
